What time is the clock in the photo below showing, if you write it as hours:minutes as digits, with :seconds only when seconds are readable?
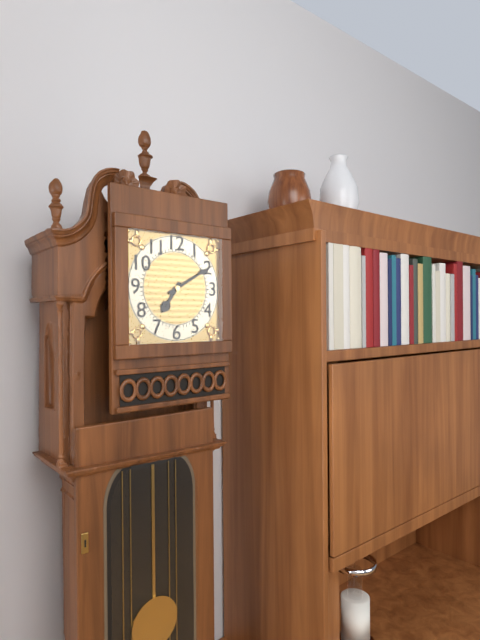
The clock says 7:10
